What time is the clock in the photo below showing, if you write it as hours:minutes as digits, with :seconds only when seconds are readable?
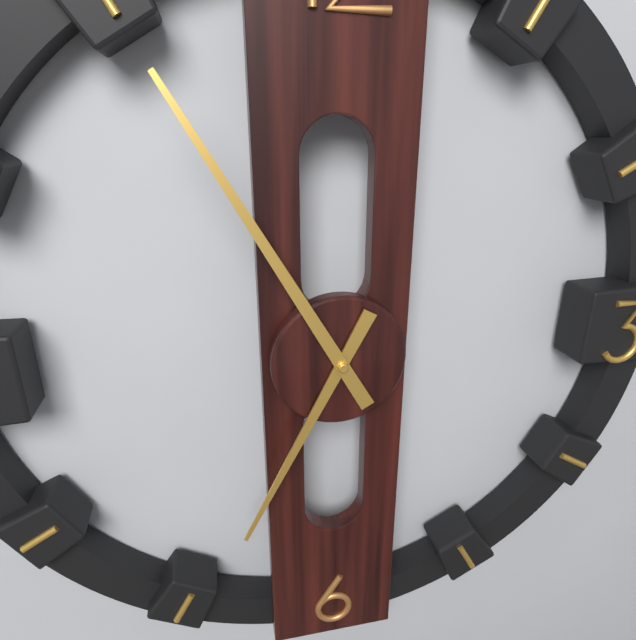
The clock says 6:55
